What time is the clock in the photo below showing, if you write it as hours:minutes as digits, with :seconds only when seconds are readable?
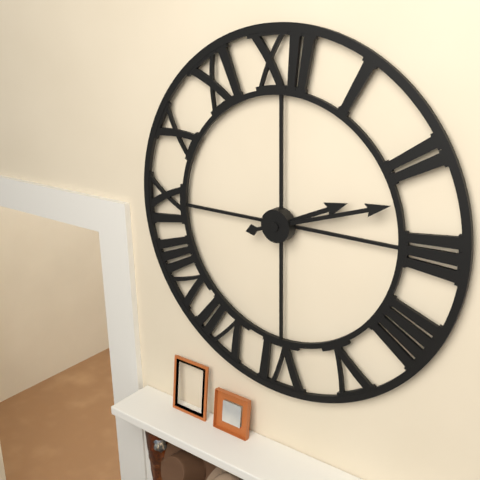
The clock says 2:12
